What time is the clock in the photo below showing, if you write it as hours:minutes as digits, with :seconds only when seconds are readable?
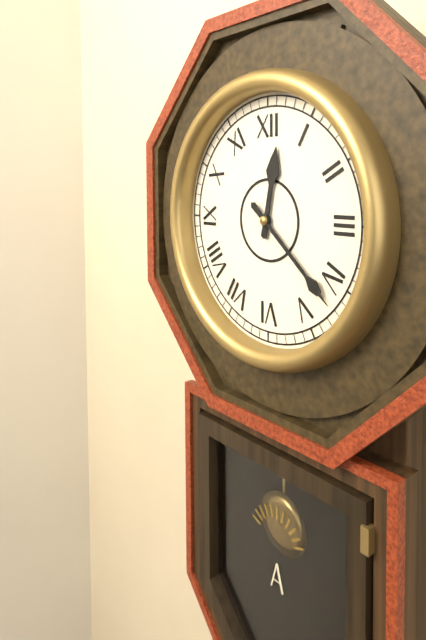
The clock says 12:22
